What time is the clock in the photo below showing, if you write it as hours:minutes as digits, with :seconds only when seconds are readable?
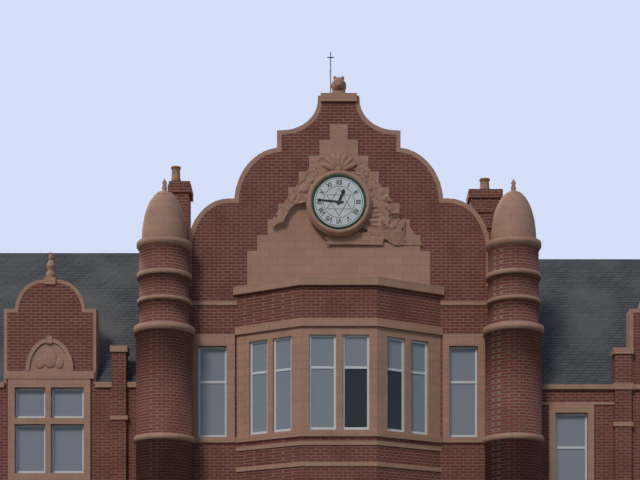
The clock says 12:46
